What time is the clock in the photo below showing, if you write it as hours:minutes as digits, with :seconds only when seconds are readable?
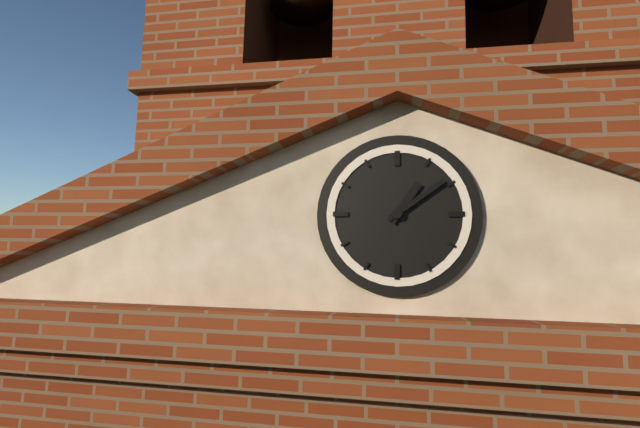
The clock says 1:09
